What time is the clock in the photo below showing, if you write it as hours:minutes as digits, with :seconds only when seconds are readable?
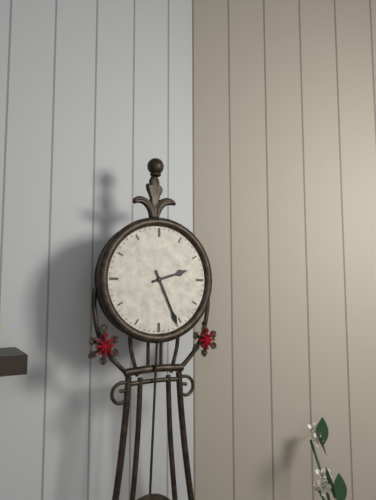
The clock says 2:26
